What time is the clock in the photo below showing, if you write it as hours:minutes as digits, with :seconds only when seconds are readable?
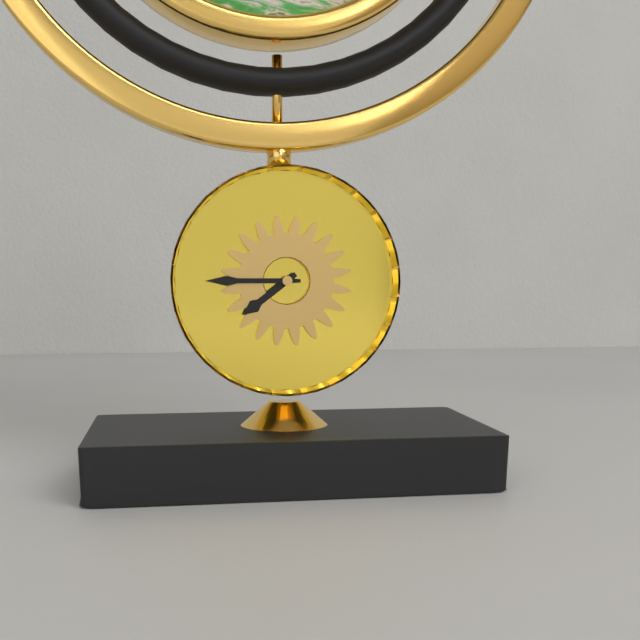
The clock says 7:45
